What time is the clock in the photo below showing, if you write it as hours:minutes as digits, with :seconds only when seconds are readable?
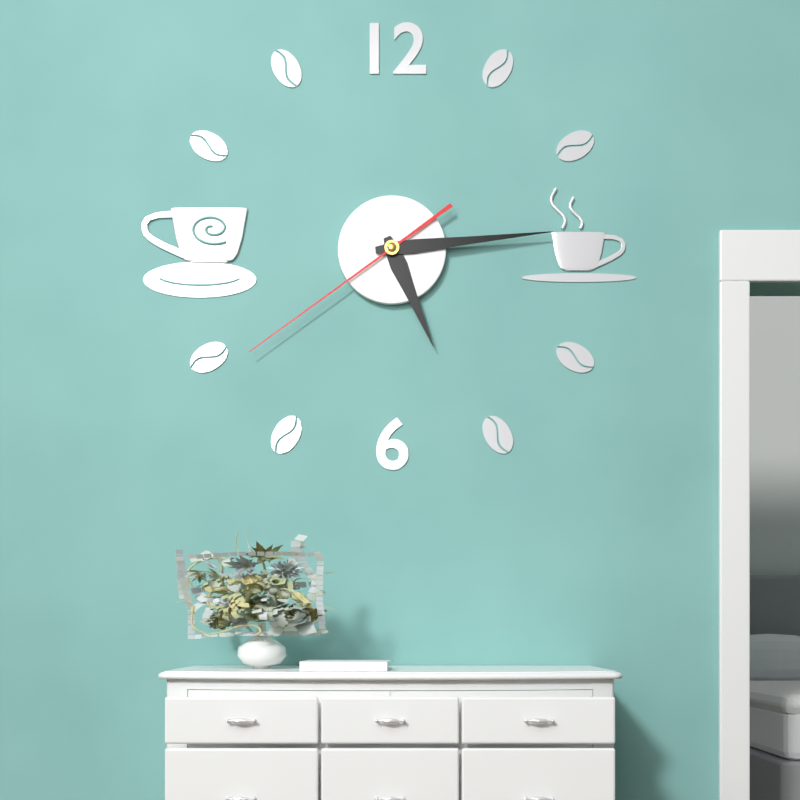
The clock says 5:14:39
